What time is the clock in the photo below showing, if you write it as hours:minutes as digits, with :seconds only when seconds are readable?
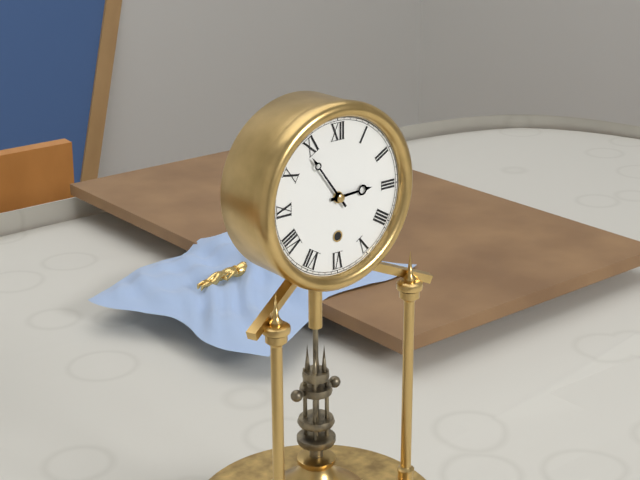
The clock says 2:54
